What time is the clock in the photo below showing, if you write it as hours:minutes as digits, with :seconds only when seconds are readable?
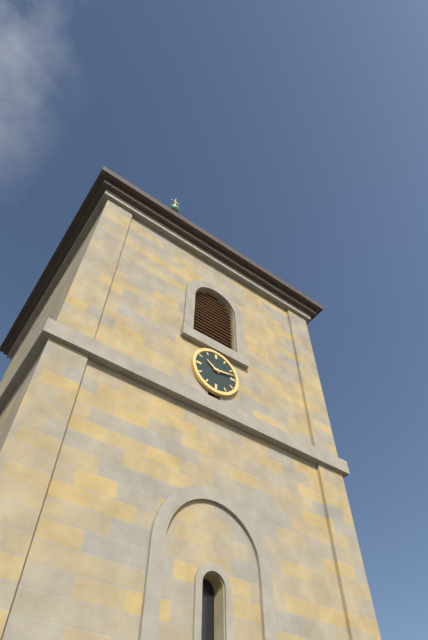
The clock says 10:13
